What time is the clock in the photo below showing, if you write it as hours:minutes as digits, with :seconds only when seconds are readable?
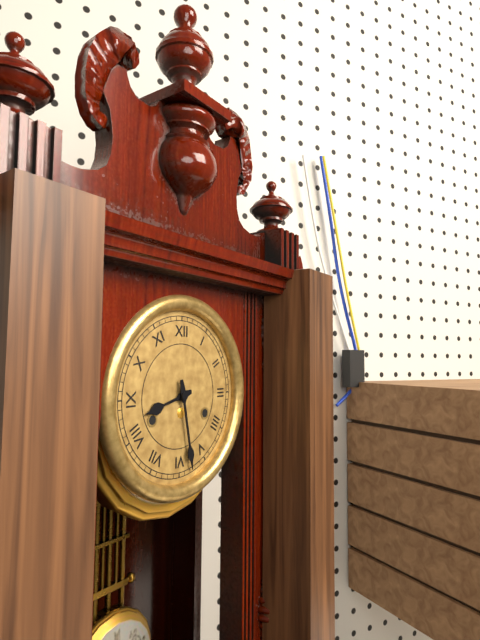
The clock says 8:28
